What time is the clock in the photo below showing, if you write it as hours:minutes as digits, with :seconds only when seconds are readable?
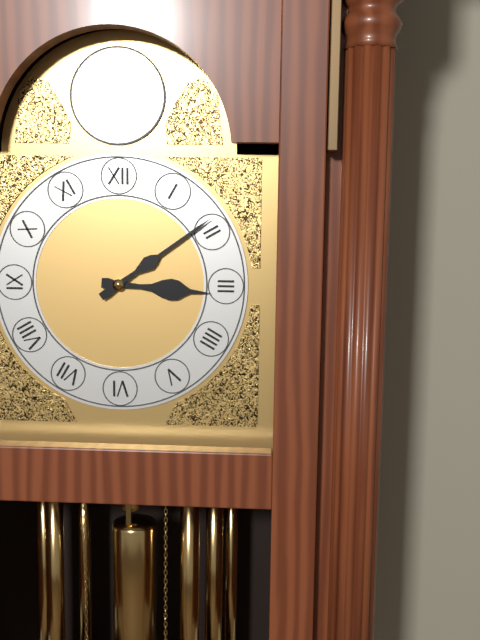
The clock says 3:09
